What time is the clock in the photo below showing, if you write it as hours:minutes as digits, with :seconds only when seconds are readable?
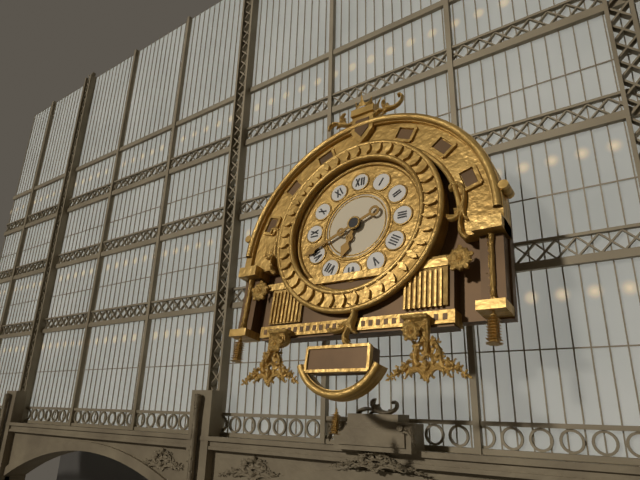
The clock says 6:41
